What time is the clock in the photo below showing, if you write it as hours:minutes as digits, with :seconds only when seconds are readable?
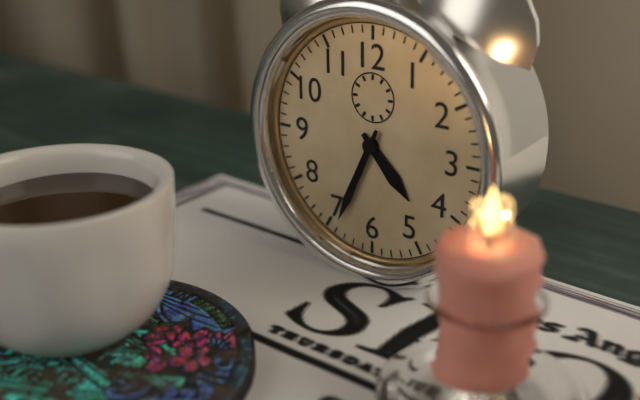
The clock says 4:34
